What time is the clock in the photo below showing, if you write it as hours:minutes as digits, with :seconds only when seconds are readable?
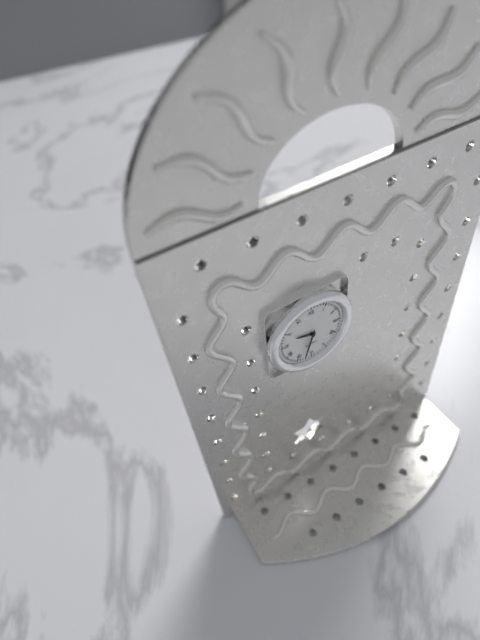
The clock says 9:33
